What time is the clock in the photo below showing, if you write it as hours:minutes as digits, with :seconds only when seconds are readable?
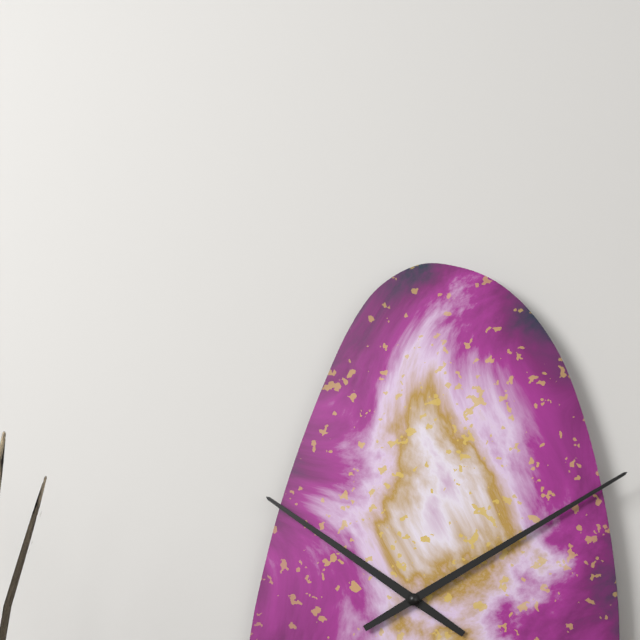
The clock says 10:10
